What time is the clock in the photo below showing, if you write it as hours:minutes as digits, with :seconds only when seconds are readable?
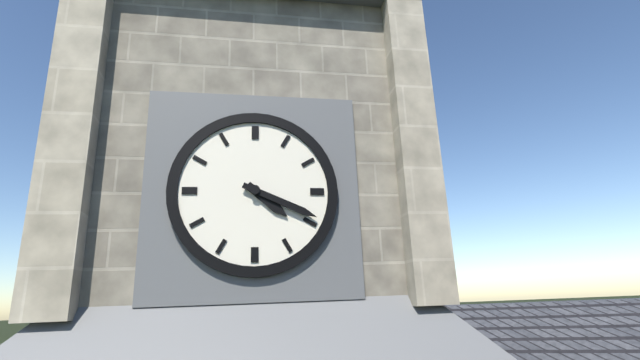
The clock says 4:19
